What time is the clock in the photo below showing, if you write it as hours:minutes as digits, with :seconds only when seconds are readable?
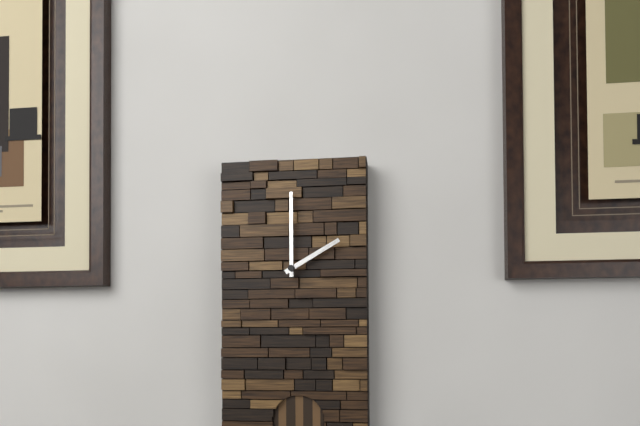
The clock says 2:00
